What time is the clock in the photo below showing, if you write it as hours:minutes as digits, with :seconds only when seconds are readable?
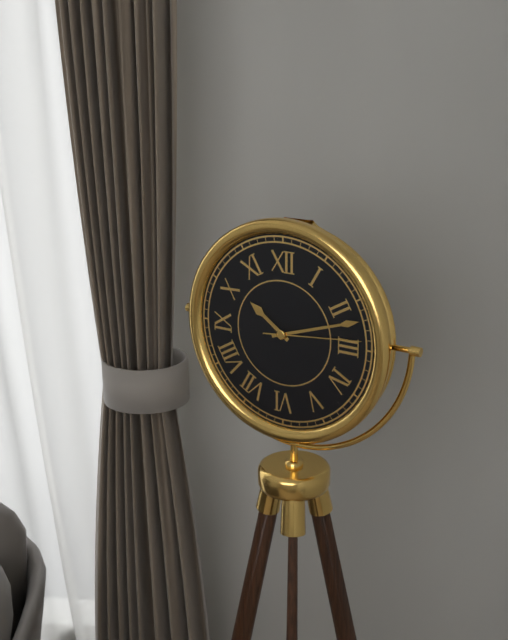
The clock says 10:12:14
